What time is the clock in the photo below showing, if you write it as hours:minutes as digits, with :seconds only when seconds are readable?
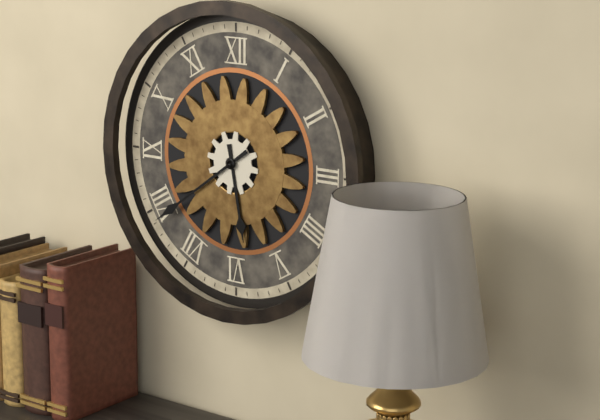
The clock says 5:39
